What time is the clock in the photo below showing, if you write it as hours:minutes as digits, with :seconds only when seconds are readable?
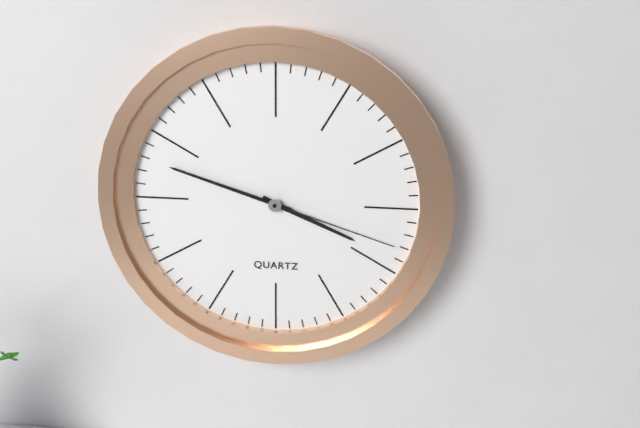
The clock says 3:48:18
